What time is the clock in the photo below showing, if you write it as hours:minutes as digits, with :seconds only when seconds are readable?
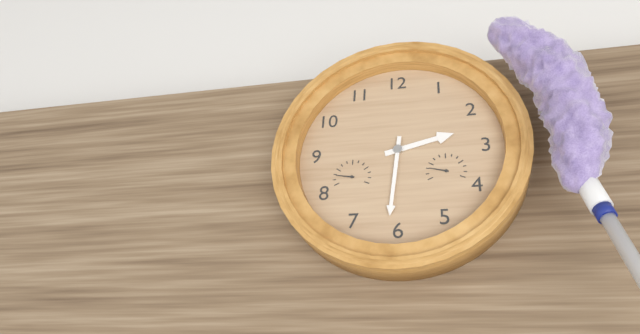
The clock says 2:31
